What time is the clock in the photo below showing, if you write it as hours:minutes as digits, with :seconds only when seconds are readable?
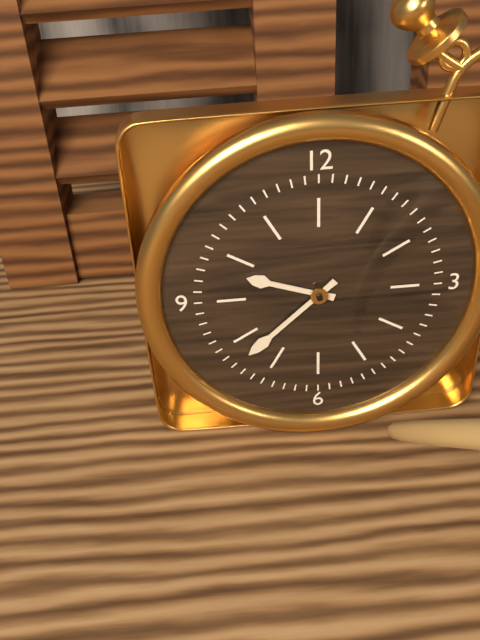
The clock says 9:38
